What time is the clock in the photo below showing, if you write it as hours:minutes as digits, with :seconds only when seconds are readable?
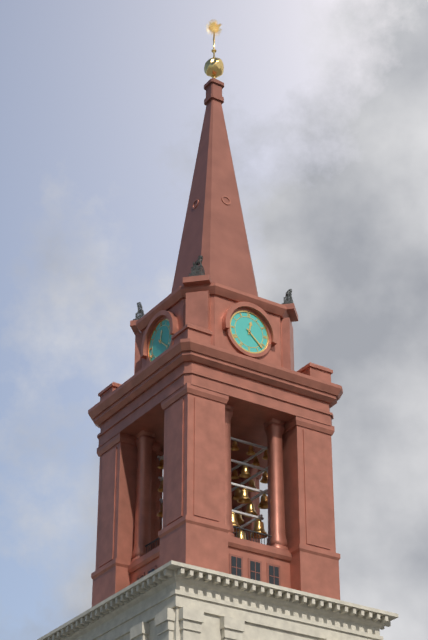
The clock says 12:22
